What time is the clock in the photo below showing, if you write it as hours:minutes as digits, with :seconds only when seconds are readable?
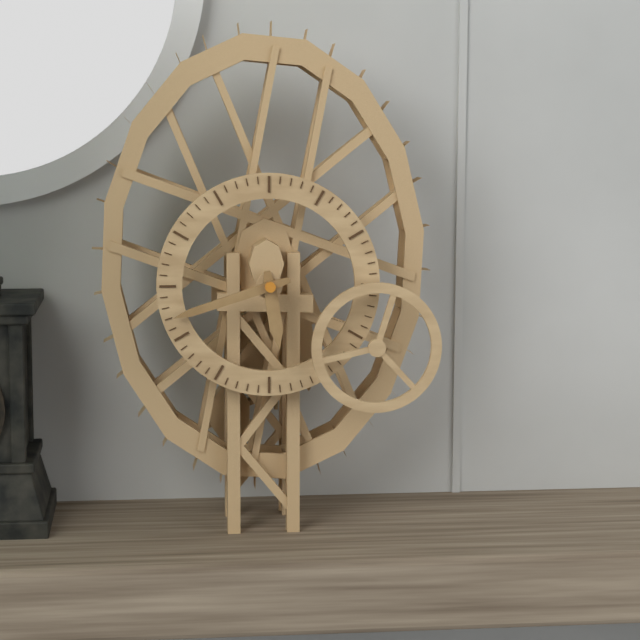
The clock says 5:42
